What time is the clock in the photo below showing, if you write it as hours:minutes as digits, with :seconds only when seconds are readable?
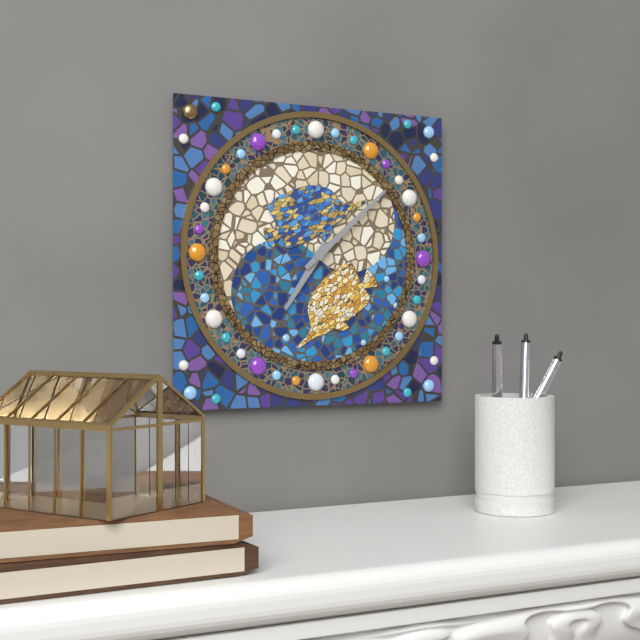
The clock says 7:08
